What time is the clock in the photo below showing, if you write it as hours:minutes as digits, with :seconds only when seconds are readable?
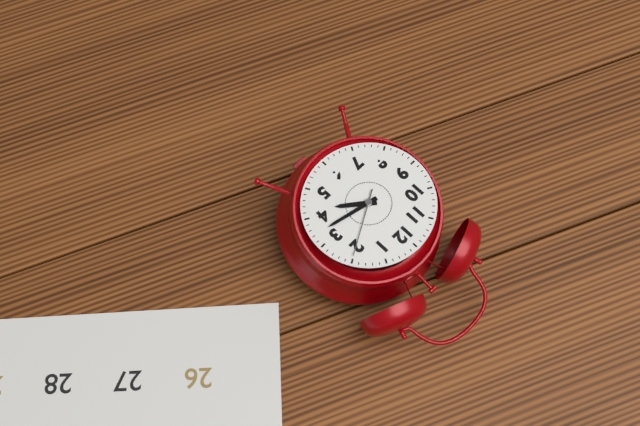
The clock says 4:17:10
